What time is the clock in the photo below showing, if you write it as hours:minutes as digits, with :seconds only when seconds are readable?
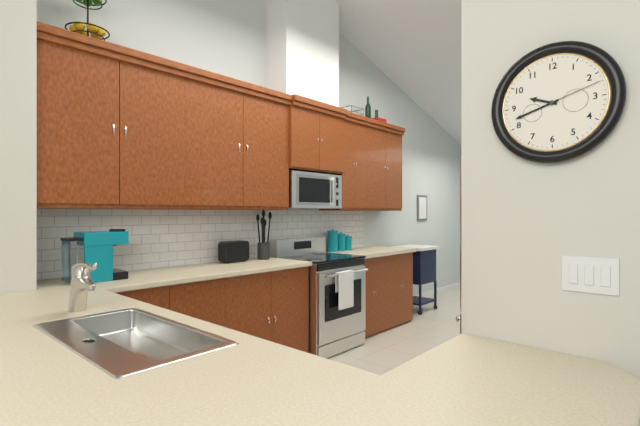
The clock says 9:42:12
